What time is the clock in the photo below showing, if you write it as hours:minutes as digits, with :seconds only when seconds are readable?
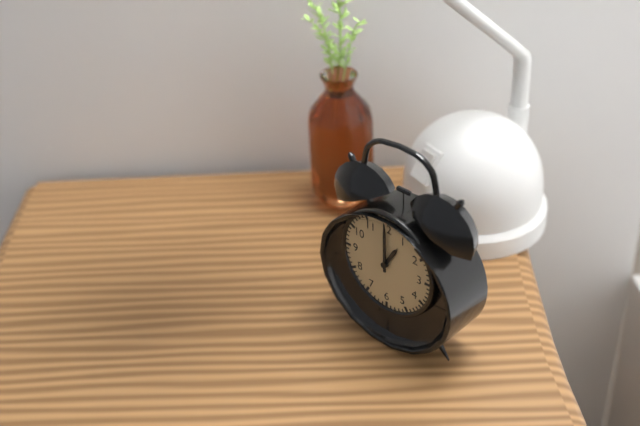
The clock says 1:00
